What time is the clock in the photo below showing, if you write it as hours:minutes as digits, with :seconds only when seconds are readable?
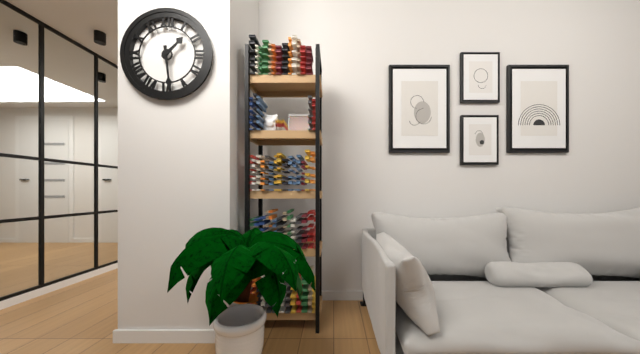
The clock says 1:29
